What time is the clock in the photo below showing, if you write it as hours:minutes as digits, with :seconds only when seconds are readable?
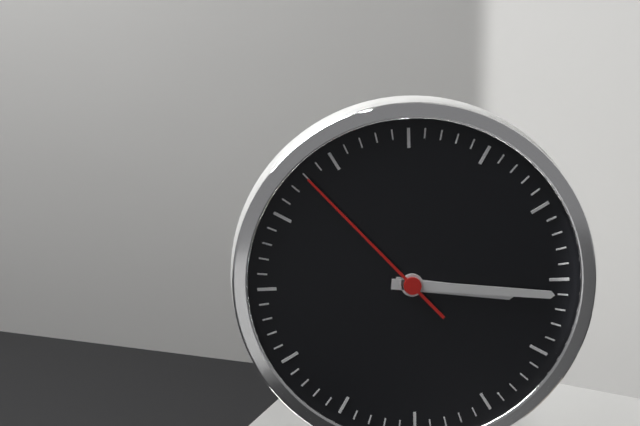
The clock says 3:16:53
